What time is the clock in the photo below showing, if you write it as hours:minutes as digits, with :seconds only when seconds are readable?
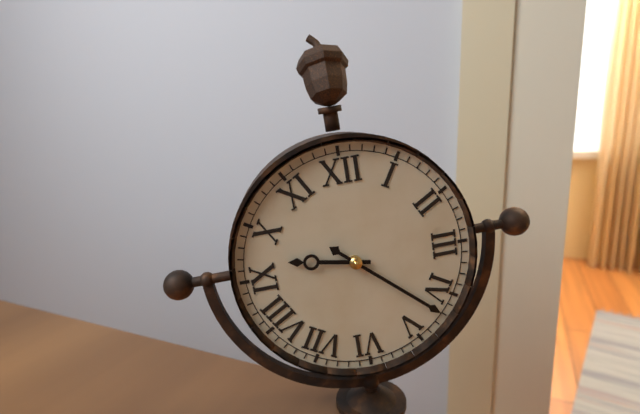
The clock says 9:22
